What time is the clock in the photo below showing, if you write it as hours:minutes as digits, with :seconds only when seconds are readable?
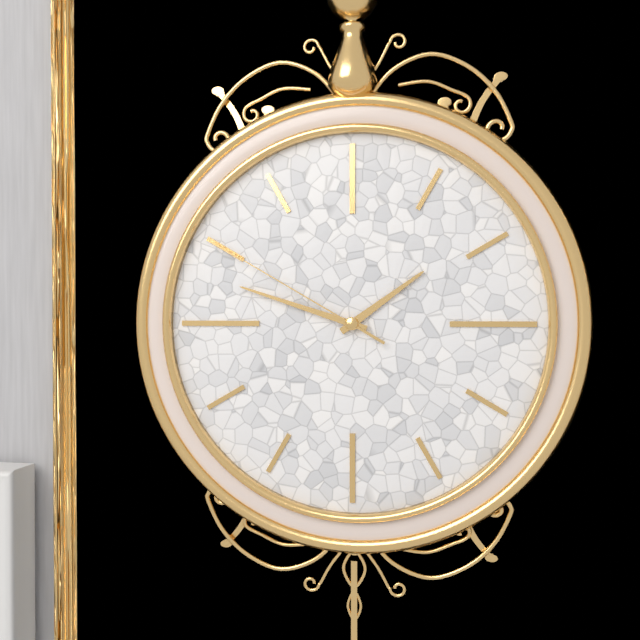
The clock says 1:48:50
